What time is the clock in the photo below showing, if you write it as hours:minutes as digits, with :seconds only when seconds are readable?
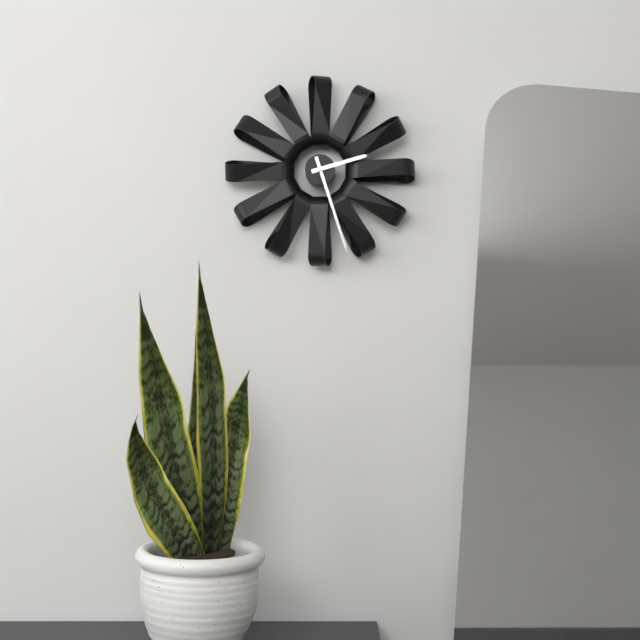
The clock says 2:27
